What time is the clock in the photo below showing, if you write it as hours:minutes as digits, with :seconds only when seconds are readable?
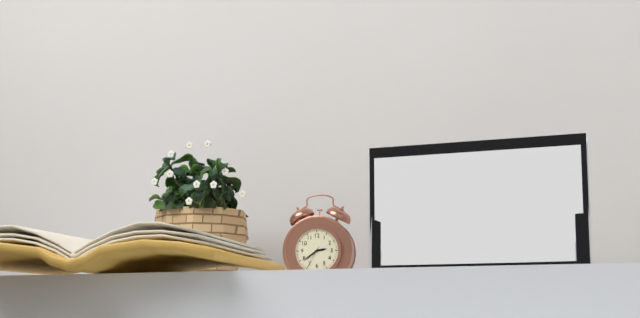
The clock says 2:39
